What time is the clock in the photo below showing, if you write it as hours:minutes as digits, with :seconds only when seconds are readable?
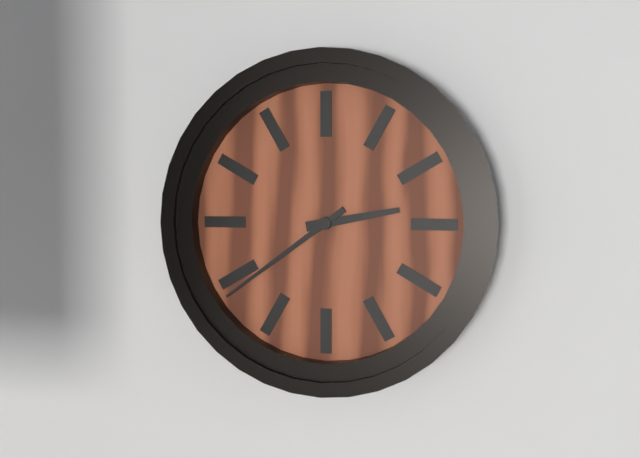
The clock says 2:39
